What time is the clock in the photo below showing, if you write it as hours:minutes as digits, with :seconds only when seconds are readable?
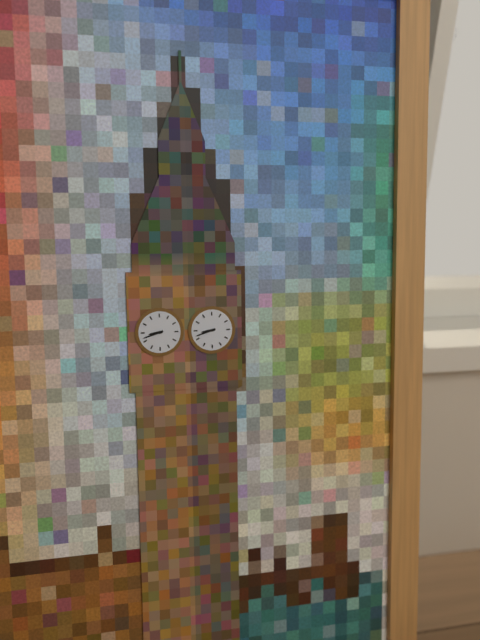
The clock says 8:42
